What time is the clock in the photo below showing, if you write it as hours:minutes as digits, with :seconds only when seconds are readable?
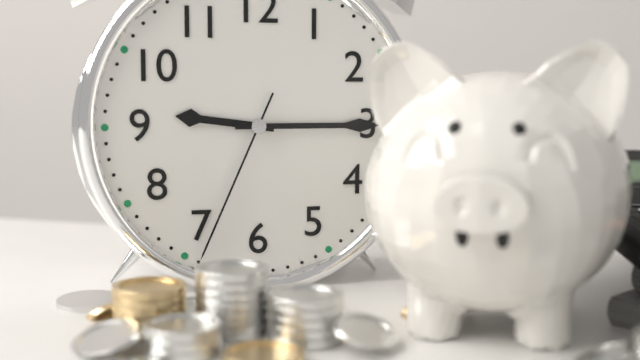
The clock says 9:15:34
